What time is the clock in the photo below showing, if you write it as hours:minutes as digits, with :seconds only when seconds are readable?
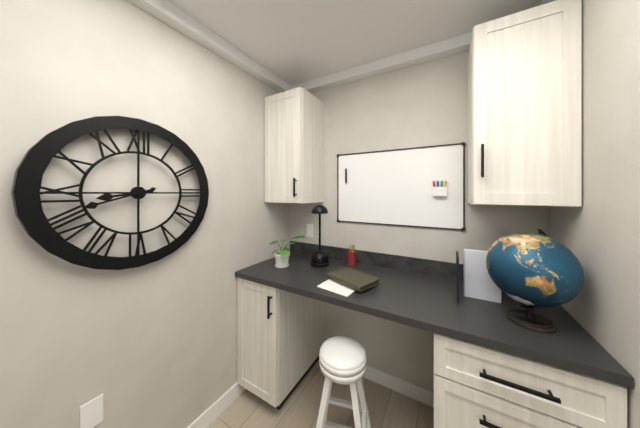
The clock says 8:42
